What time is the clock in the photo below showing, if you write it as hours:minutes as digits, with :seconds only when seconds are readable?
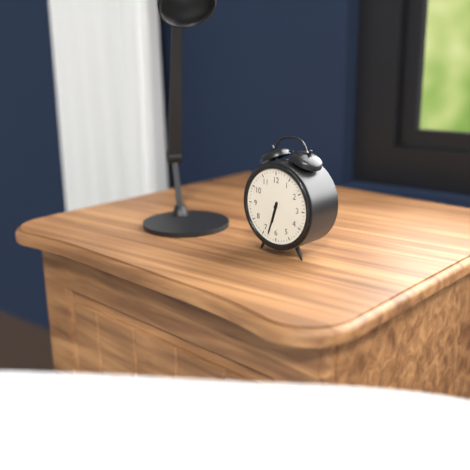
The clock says 6:33
